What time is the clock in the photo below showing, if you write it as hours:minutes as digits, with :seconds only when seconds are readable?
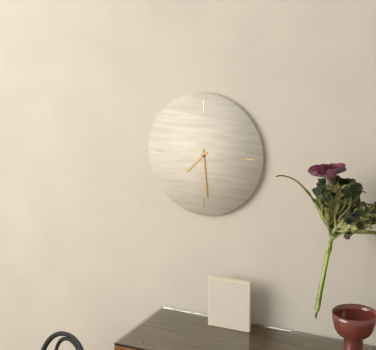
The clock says 7:29
